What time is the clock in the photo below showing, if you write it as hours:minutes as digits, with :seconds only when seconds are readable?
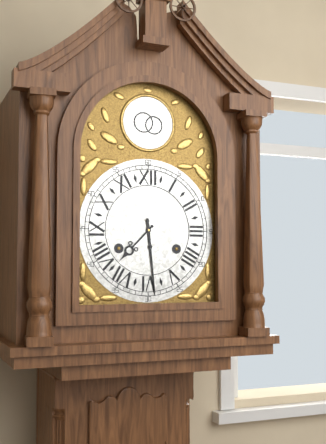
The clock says 7:29
